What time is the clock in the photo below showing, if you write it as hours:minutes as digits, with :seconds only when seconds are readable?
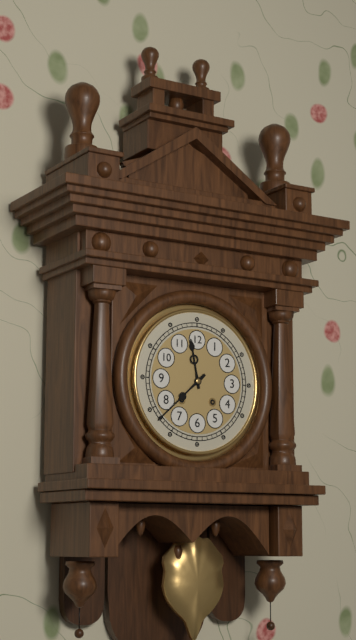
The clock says 11:38
